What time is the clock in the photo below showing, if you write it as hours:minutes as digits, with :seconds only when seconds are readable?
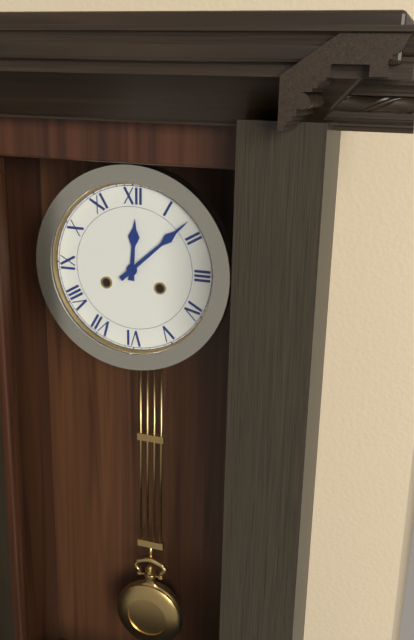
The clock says 12:08
